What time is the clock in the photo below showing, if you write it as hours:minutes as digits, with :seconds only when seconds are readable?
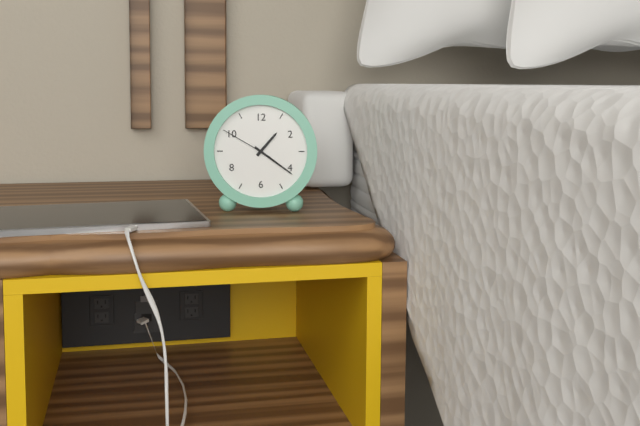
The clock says 1:21:50
